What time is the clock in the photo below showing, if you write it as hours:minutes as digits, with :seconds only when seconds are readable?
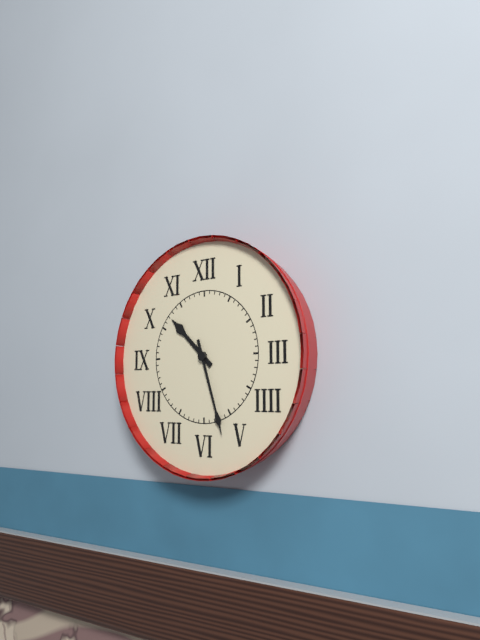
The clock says 10:27
